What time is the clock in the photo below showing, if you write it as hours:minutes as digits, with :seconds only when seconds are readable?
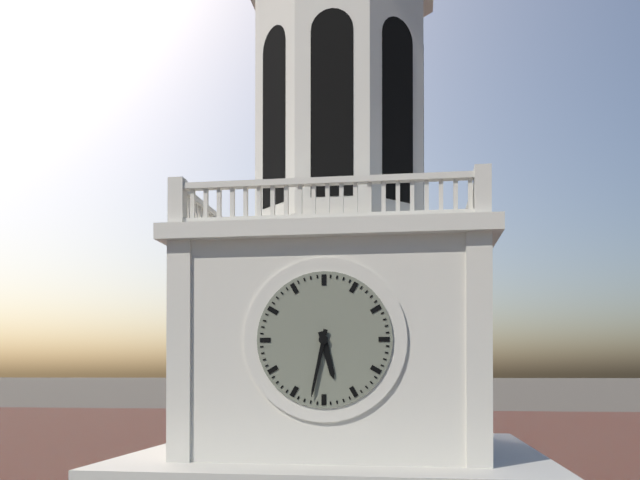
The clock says 5:32
